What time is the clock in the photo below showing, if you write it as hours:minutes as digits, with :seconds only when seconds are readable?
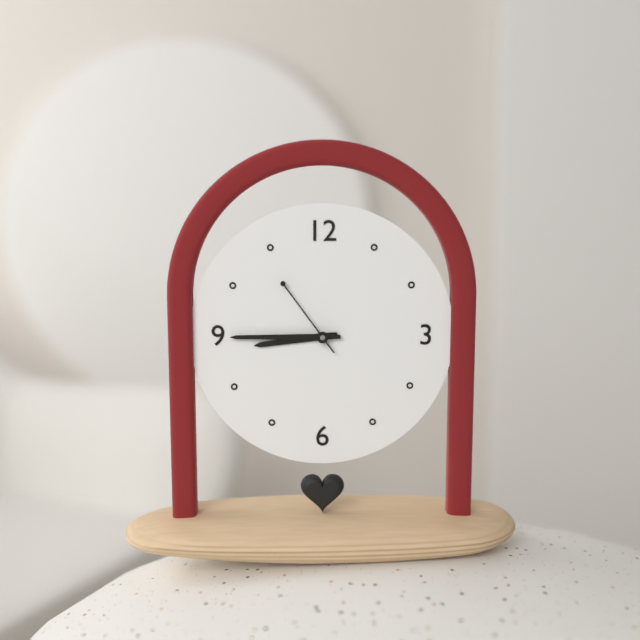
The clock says 8:45:54
